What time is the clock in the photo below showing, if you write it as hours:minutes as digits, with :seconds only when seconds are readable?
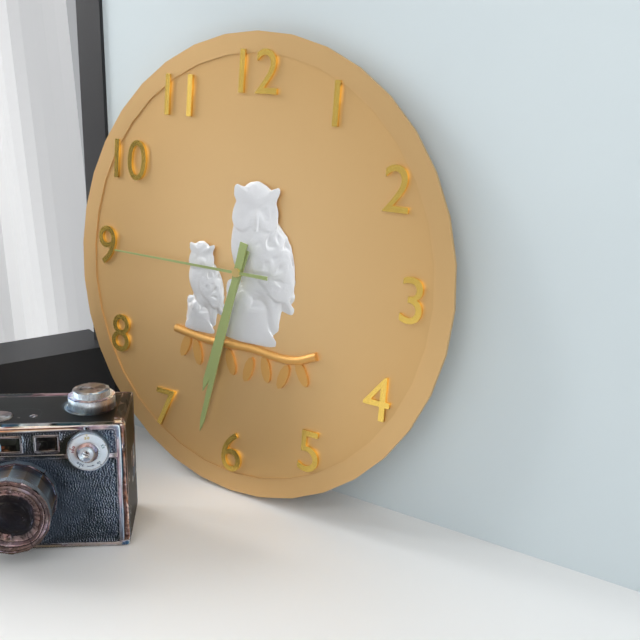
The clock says 6:32:45
